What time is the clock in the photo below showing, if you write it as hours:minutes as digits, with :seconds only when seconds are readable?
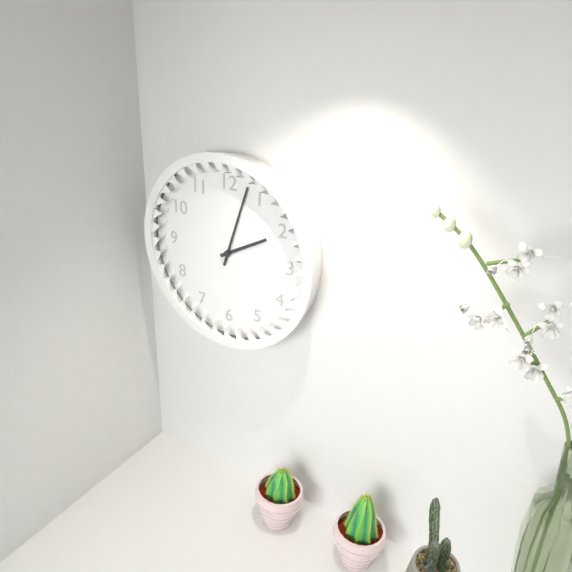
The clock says 2:03
